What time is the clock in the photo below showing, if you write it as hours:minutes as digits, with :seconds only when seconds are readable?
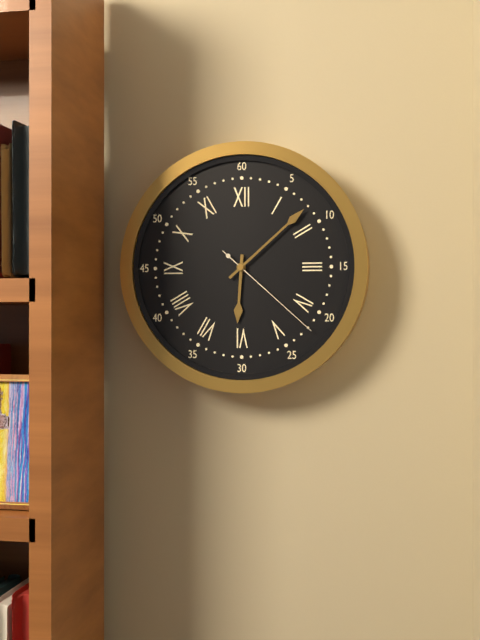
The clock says 6:08:22
